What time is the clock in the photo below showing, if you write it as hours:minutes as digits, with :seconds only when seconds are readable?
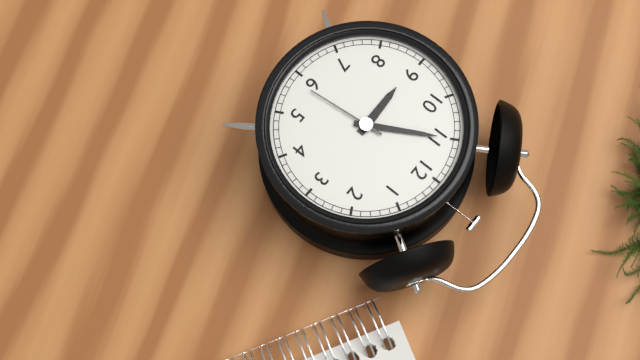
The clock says 8:55:29
